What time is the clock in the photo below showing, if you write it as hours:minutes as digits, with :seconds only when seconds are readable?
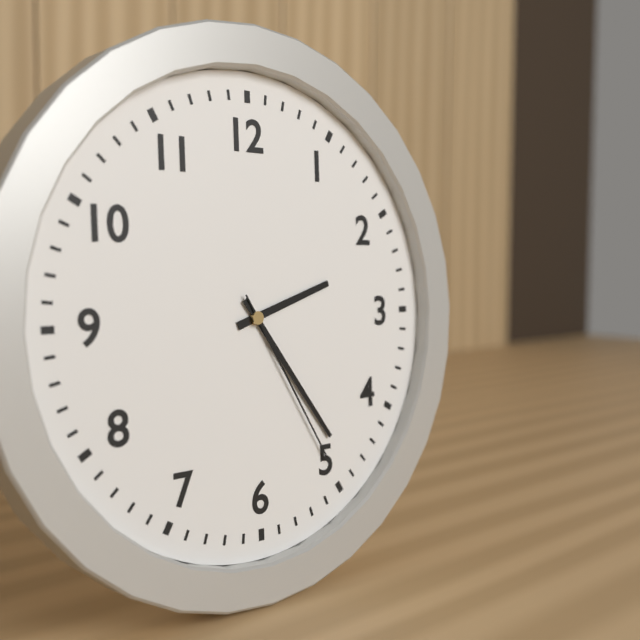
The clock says 2:24:25
